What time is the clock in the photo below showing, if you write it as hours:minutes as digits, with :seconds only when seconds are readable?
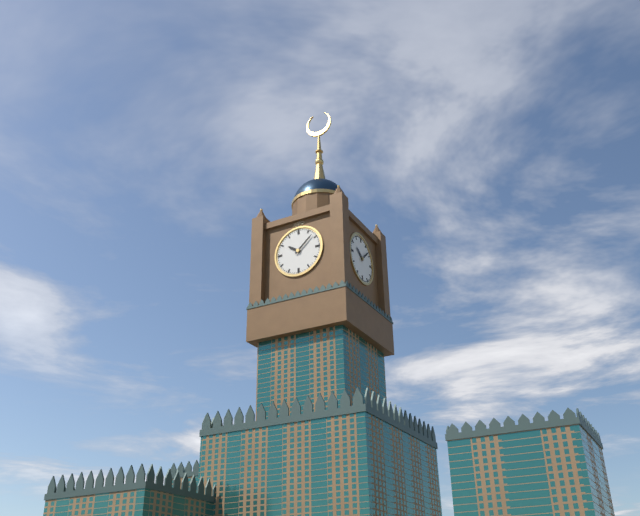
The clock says 10:08
